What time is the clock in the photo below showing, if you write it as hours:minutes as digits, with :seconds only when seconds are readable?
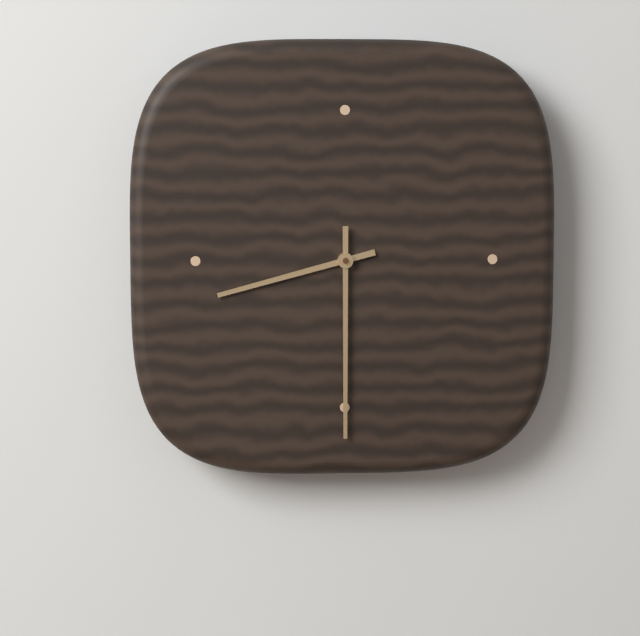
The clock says 8:30
